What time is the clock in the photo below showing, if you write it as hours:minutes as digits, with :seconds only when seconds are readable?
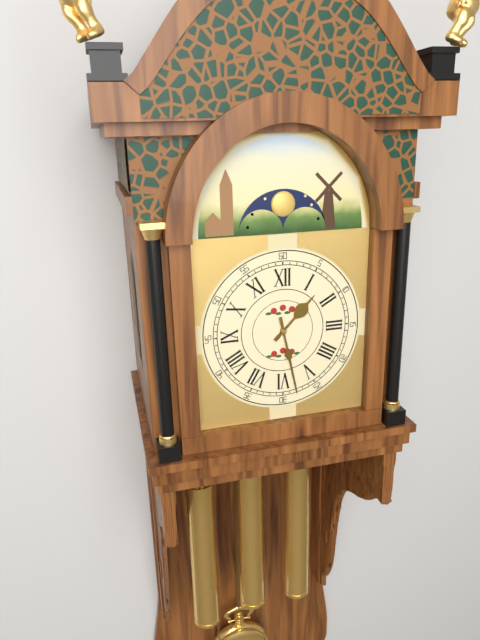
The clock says 1:28
